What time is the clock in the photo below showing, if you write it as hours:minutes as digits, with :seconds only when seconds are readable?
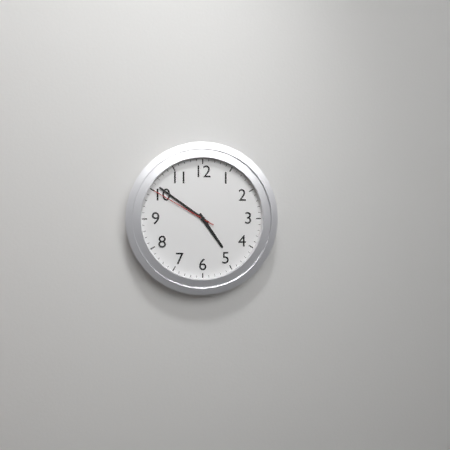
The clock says 4:51:50
